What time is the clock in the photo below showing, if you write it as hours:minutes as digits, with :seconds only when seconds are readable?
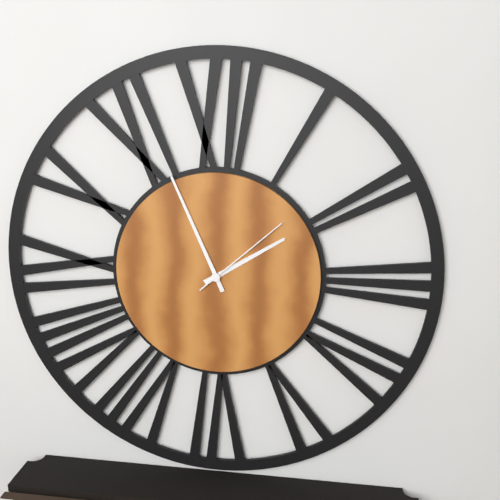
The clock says 1:56:08
